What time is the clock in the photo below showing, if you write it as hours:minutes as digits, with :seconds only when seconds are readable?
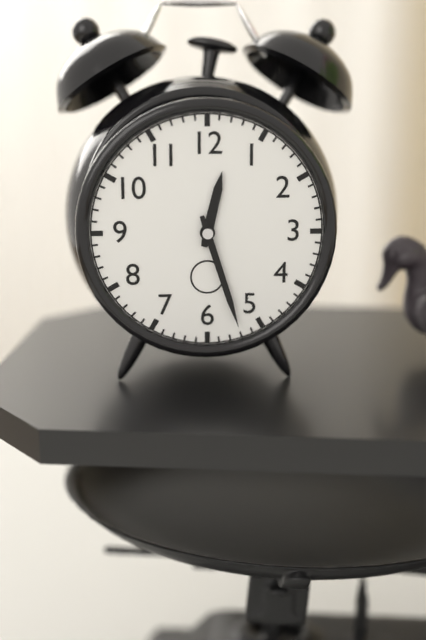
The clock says 12:27
